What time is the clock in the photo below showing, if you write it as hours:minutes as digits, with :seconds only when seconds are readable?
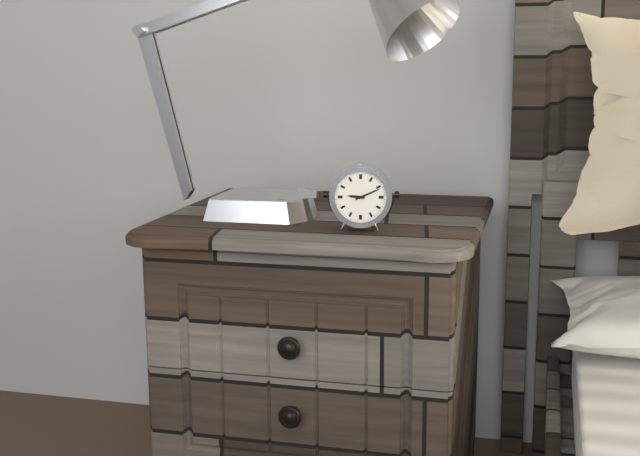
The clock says 9:11
